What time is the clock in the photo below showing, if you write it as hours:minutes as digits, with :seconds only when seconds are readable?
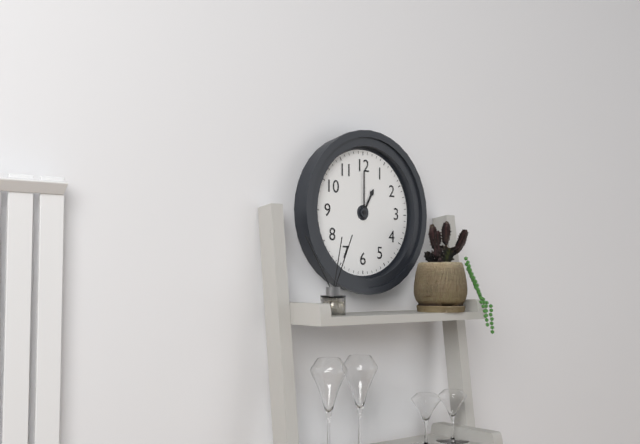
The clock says 1:00
